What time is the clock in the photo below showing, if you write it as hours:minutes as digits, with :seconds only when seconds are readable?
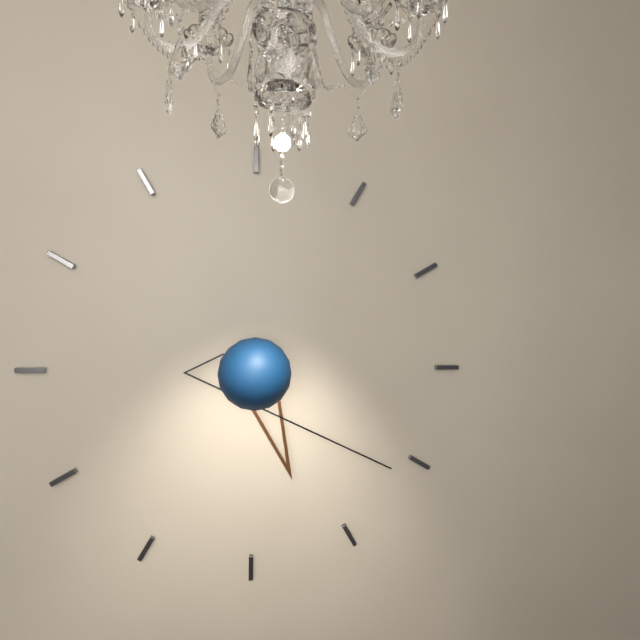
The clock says 5:21
